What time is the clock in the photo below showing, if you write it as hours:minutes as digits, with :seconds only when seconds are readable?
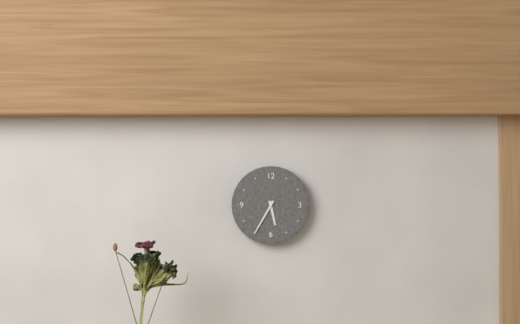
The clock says 5:35
